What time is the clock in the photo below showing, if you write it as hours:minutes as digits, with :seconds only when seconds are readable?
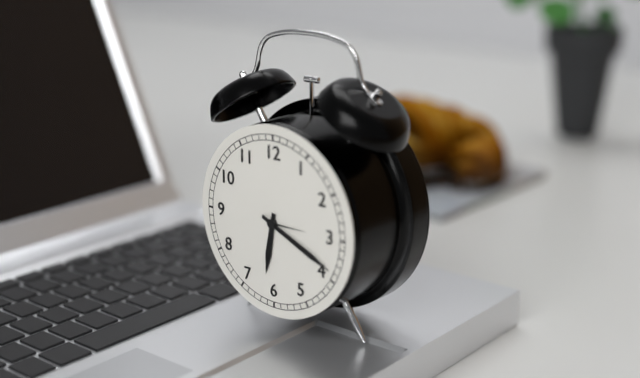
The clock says 6:19
